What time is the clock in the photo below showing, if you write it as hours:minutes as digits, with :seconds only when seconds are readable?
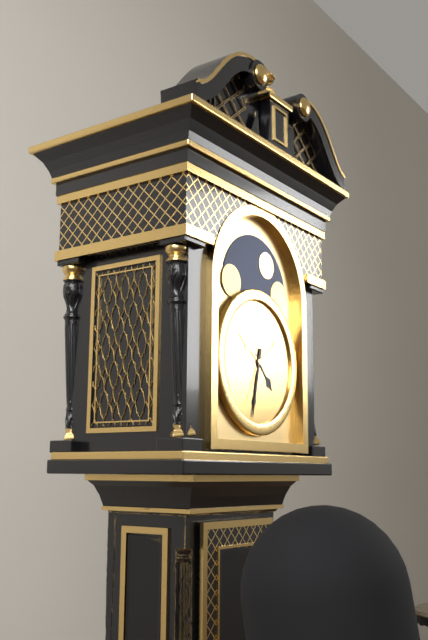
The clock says 4:32
